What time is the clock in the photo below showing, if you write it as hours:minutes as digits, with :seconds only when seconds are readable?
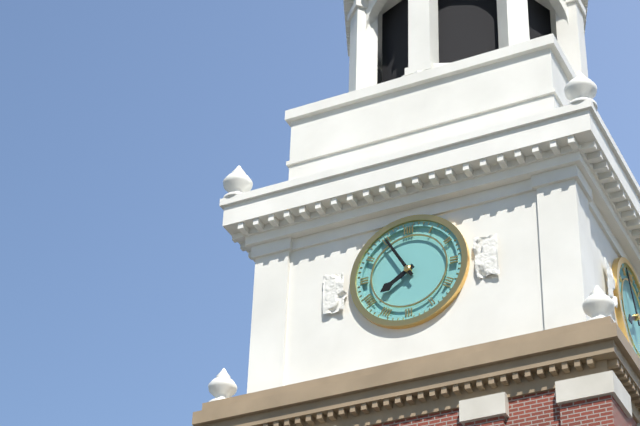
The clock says 7:55
